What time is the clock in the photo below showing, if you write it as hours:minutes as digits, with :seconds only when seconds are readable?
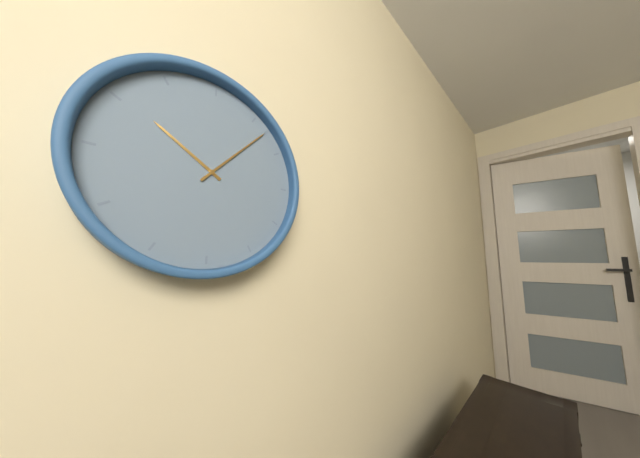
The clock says 10:07
